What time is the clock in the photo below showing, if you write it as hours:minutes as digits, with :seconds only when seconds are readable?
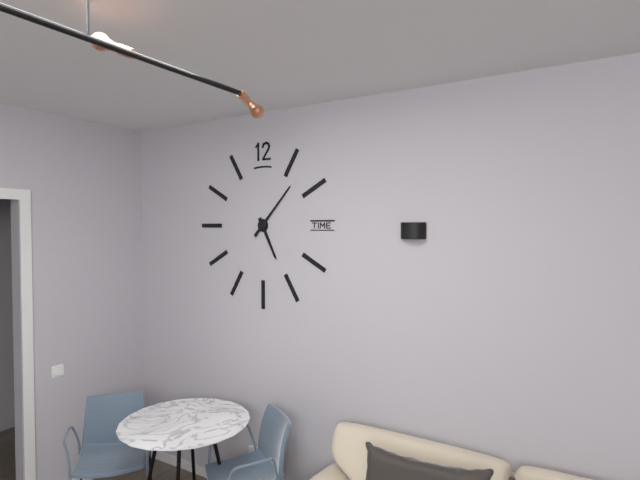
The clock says 5:07
